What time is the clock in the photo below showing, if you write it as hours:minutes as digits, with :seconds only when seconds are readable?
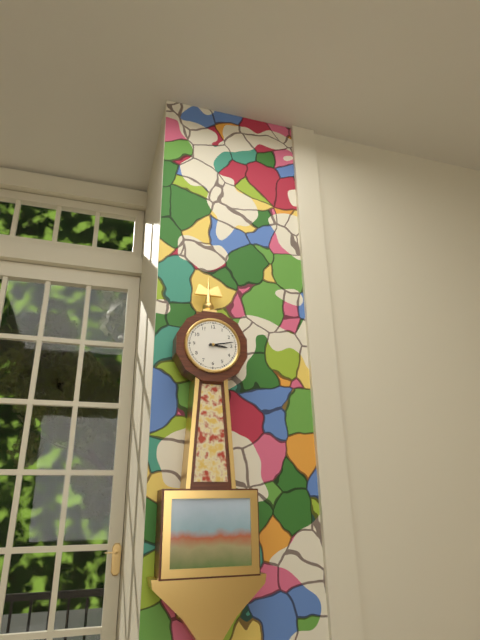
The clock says 3:13
